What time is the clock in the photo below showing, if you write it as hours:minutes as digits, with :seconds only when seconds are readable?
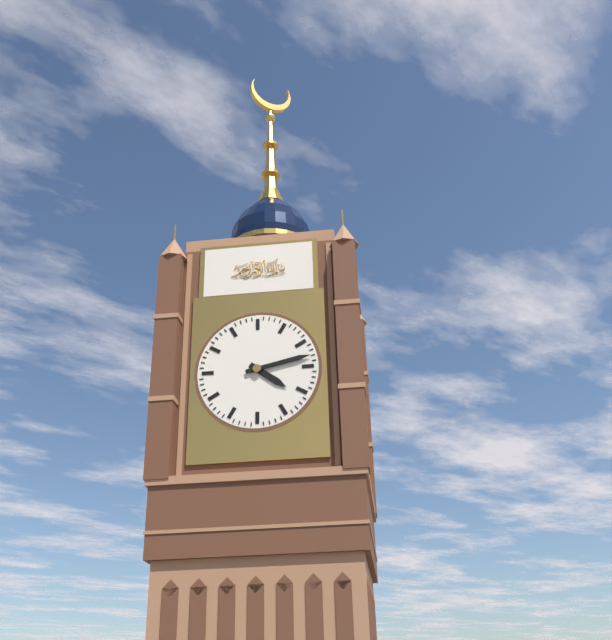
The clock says 4:13
